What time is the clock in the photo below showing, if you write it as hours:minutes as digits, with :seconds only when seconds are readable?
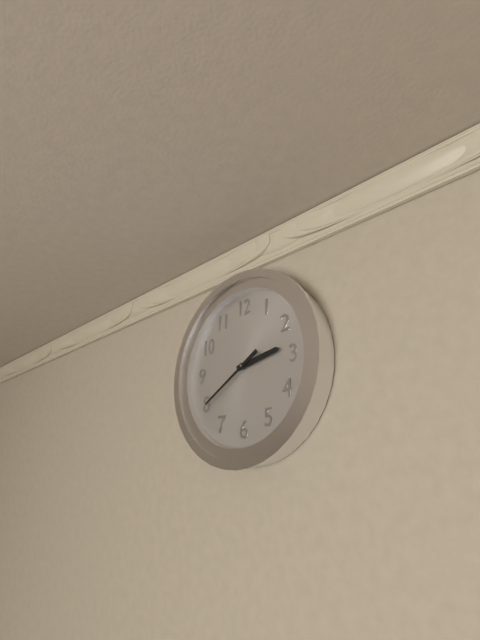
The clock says 2:40
